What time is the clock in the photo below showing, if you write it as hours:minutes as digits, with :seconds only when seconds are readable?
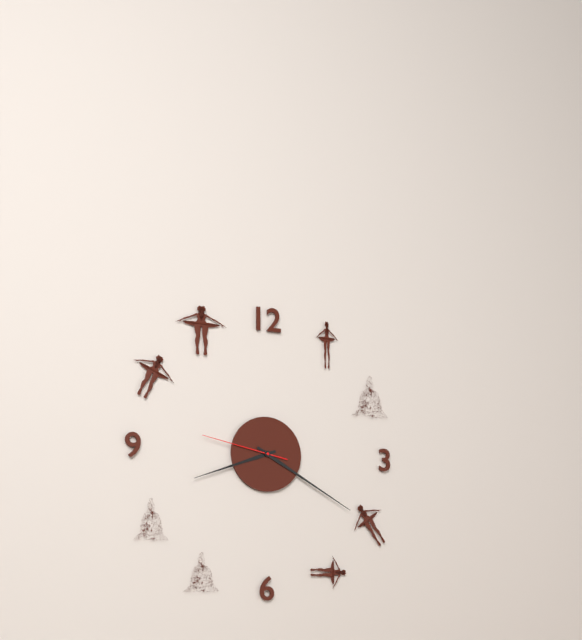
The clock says 8:20:47
